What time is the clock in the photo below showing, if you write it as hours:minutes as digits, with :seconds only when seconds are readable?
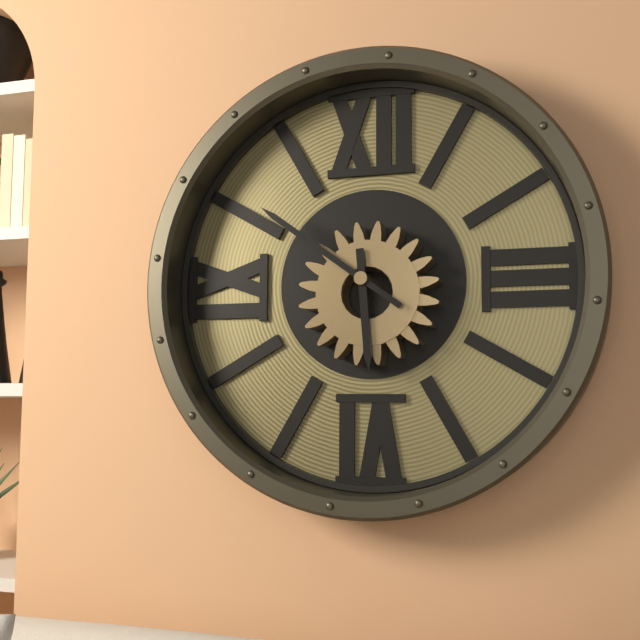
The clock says 5:51
